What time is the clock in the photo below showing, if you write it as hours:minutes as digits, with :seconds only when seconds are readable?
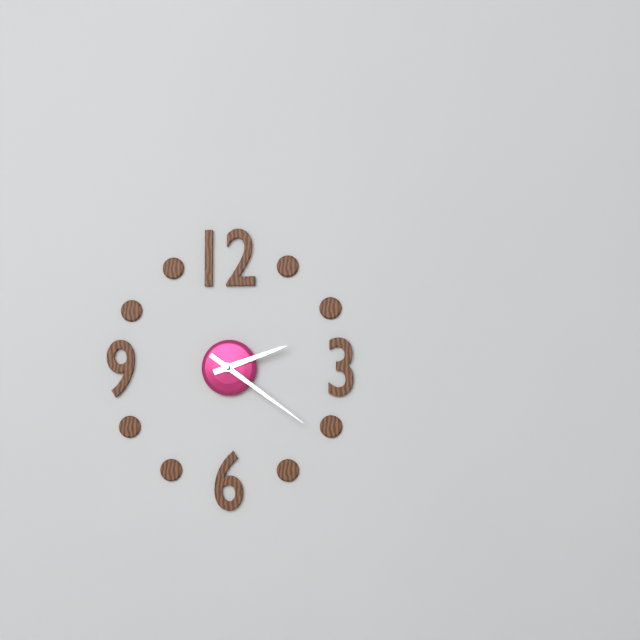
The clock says 2:21
